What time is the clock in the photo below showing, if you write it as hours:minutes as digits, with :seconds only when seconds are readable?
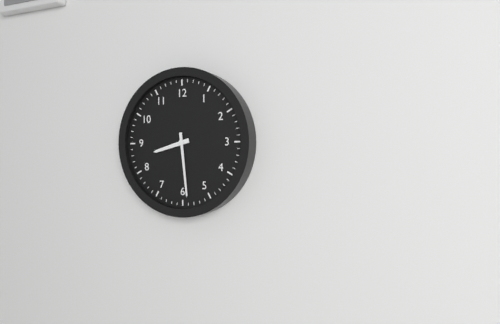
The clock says 8:29
